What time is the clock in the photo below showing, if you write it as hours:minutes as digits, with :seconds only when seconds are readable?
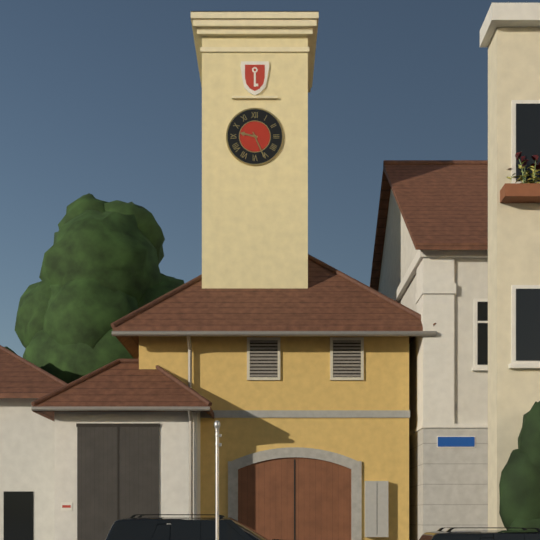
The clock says 9:26
